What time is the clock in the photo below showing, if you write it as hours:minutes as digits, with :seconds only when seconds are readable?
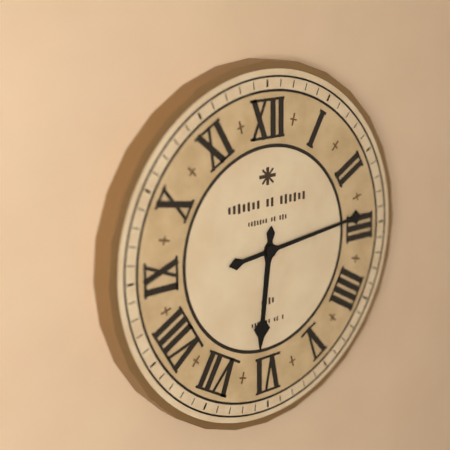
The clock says 6:14
